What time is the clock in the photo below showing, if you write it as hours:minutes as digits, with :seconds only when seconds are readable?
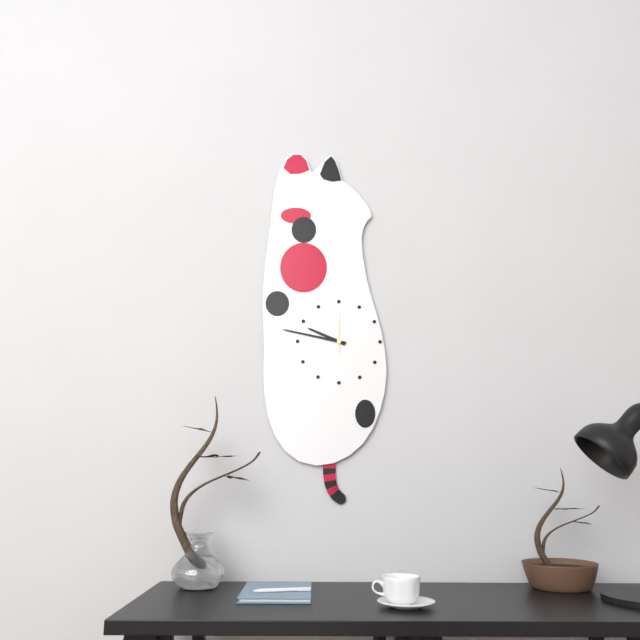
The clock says 9:47
